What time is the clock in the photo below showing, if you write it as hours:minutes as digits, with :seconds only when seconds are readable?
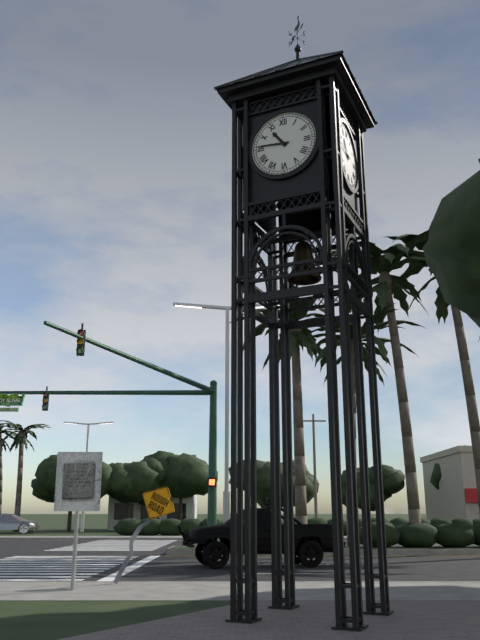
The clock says 10:46
